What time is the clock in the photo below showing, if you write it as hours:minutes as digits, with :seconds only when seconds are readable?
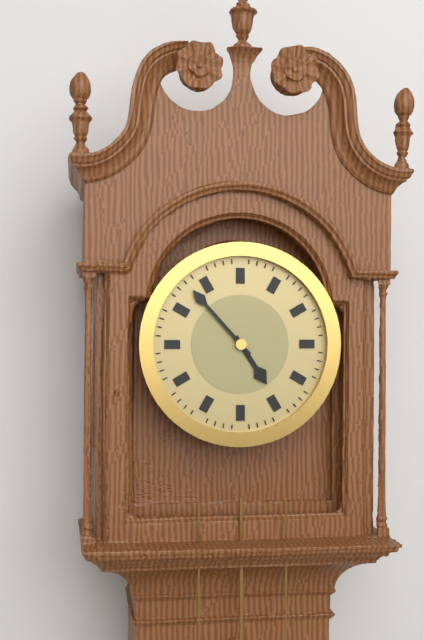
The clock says 4:53
